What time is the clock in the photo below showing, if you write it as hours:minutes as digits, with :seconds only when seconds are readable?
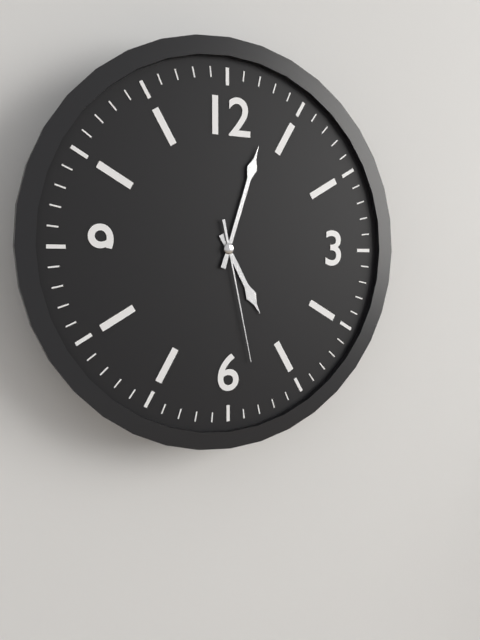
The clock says 5:03:28
